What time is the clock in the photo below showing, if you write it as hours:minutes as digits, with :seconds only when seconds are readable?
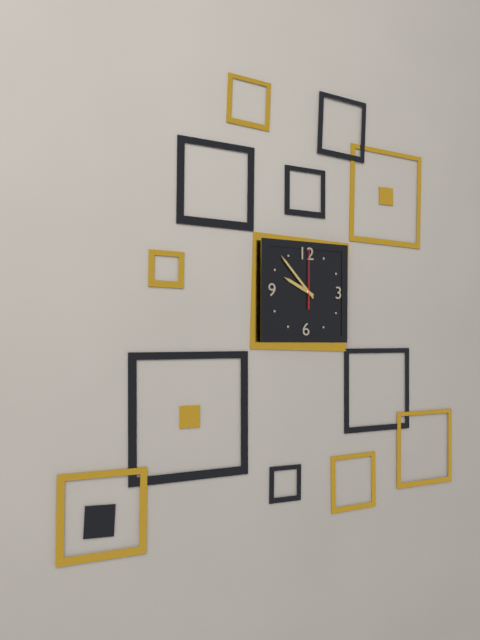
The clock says 9:53:00
